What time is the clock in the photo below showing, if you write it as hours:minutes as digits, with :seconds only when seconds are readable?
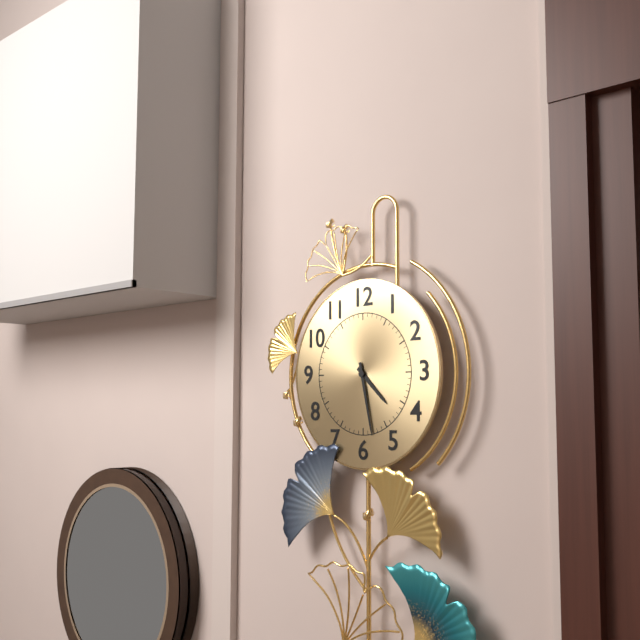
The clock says 4:28
